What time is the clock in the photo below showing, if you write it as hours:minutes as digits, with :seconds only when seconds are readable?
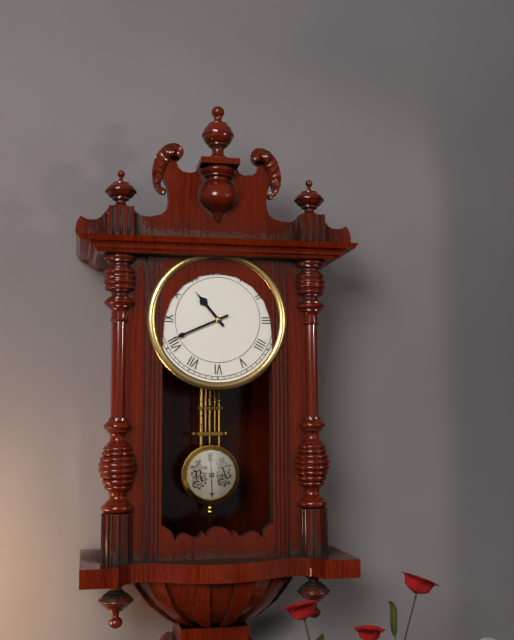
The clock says 10:41
